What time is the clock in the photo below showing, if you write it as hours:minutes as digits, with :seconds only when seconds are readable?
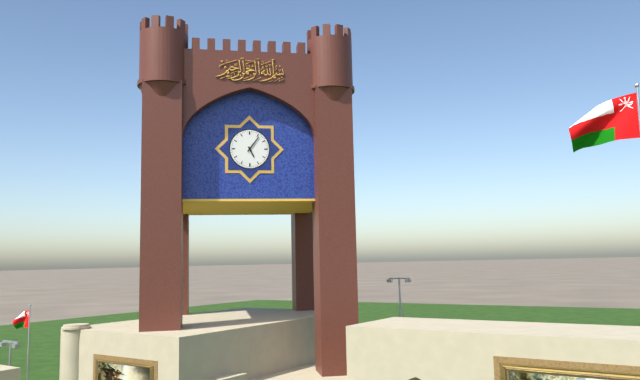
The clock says 5:06
